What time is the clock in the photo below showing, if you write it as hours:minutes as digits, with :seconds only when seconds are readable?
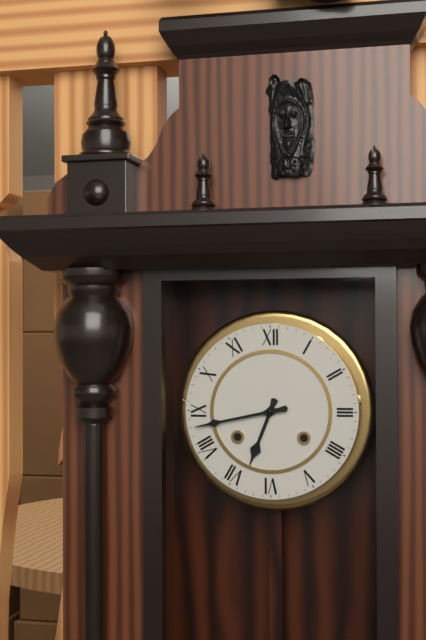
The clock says 6:43
